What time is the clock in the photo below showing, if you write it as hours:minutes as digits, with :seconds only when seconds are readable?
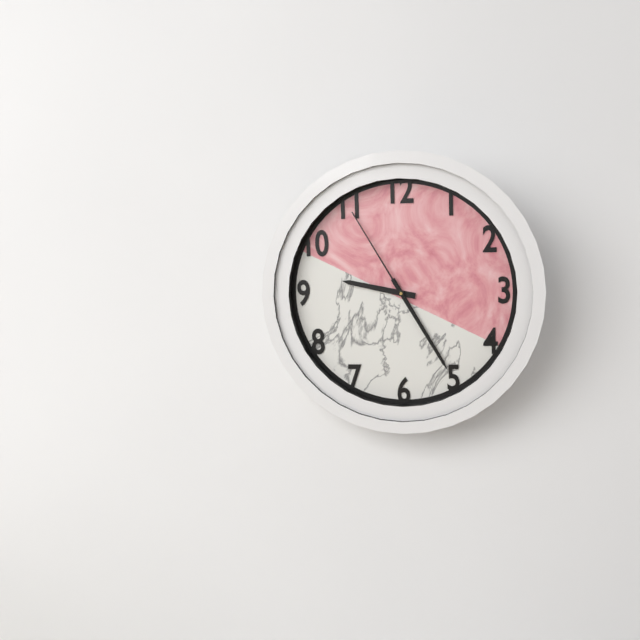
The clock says 9:25:55
